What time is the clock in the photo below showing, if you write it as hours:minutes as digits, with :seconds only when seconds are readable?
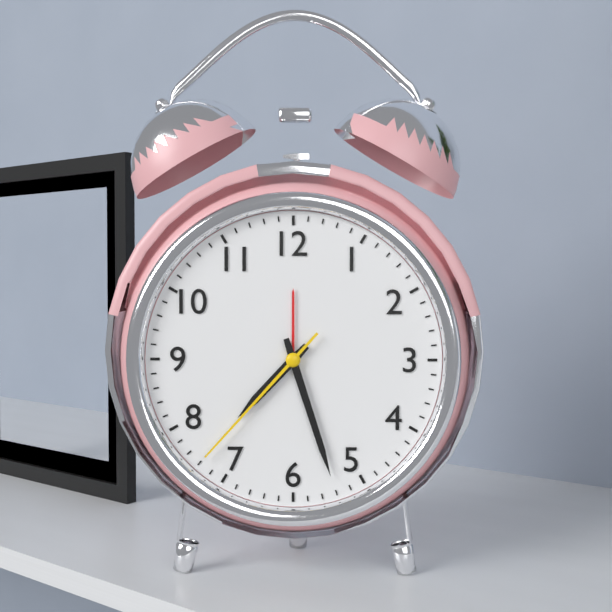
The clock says 7:27:37
